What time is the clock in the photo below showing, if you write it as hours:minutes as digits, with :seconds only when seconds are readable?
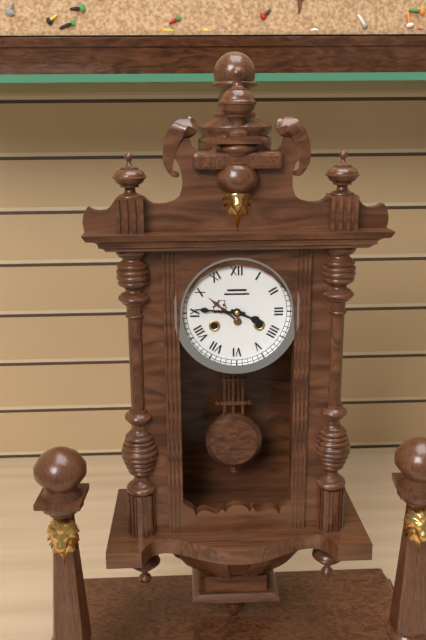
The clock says 3:46
